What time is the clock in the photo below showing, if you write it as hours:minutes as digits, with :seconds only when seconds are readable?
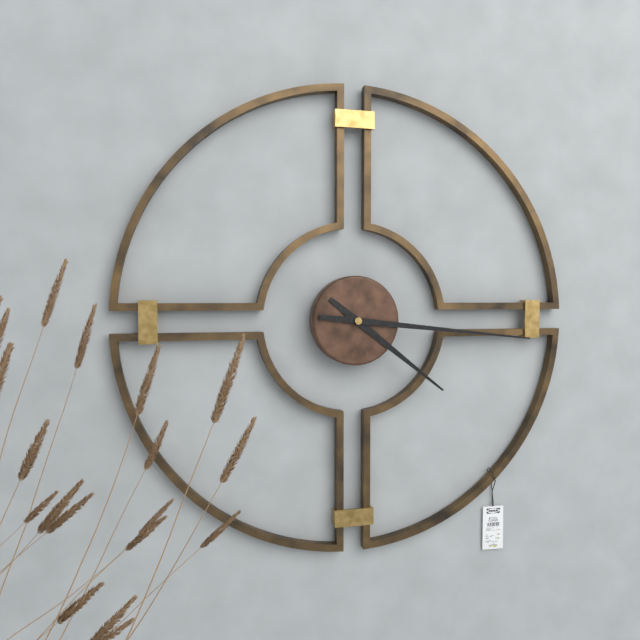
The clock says 4:16
